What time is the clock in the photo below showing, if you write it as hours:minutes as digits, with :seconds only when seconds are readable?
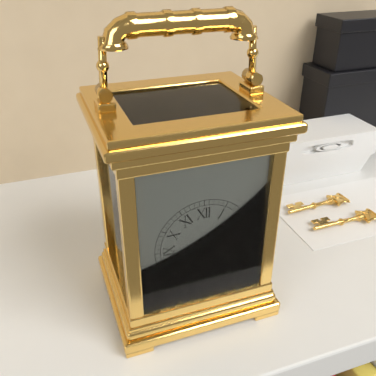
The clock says 3:31
